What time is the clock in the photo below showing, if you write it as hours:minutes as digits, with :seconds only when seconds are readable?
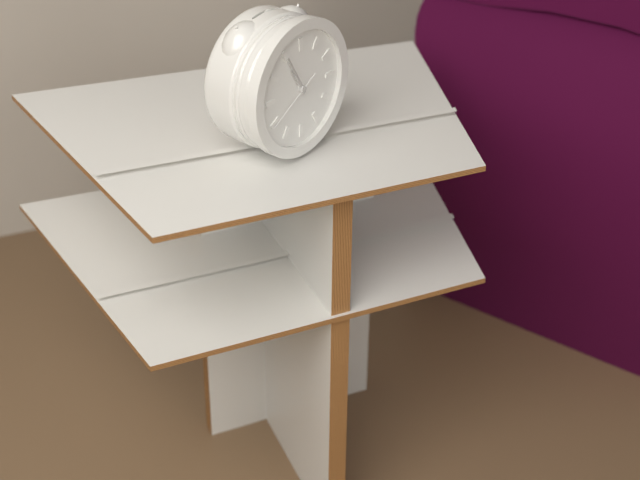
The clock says 10:55:40
